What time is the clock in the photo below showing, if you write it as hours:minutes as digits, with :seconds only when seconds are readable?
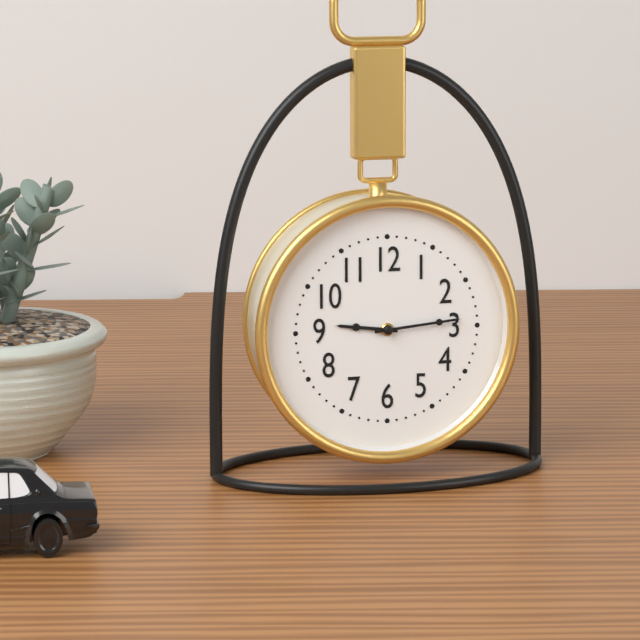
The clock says 9:14
